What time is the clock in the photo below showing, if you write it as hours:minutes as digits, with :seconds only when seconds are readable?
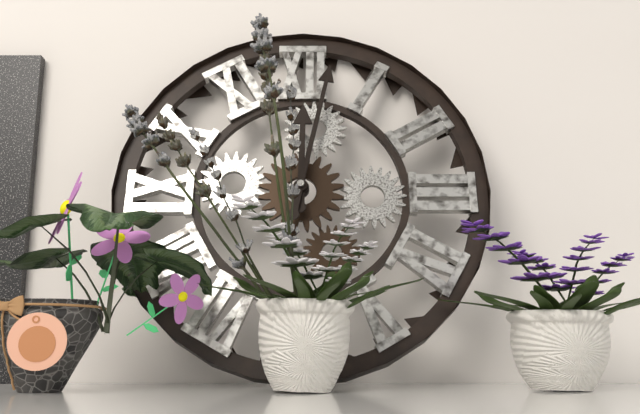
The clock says 12:02
